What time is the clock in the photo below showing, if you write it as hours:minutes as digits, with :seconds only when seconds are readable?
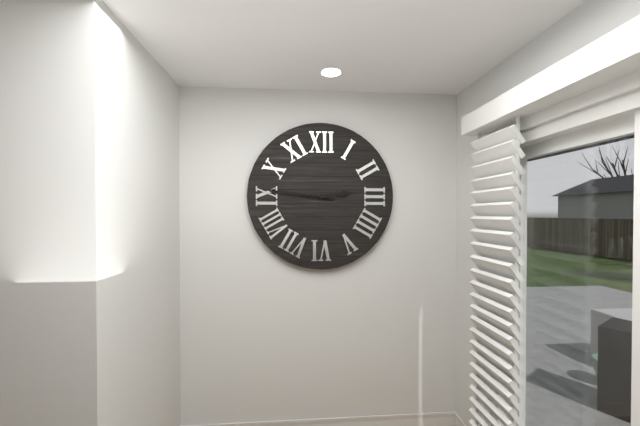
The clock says 2:46
